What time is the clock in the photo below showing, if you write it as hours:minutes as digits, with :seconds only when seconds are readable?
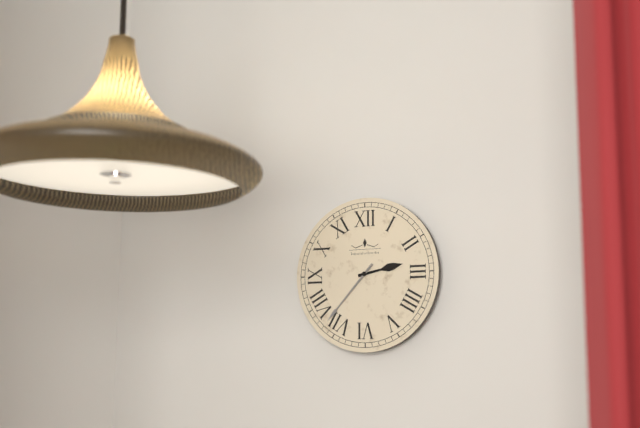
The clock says 2:37
